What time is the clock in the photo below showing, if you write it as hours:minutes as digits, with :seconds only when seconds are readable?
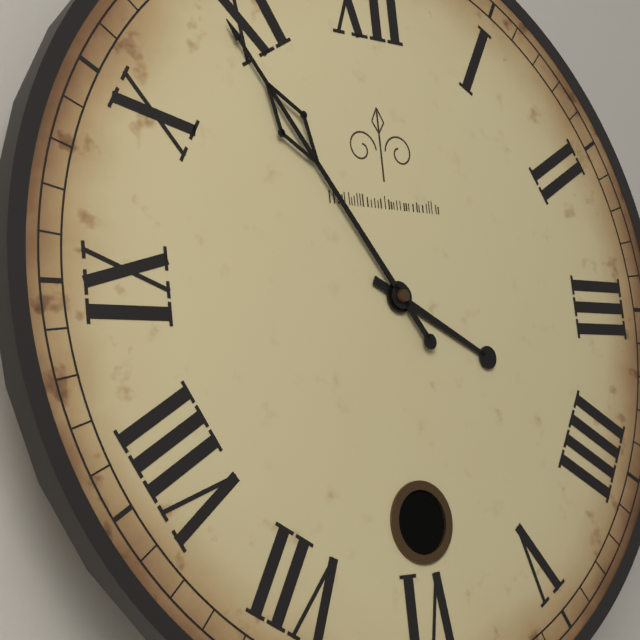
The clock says 3:54
